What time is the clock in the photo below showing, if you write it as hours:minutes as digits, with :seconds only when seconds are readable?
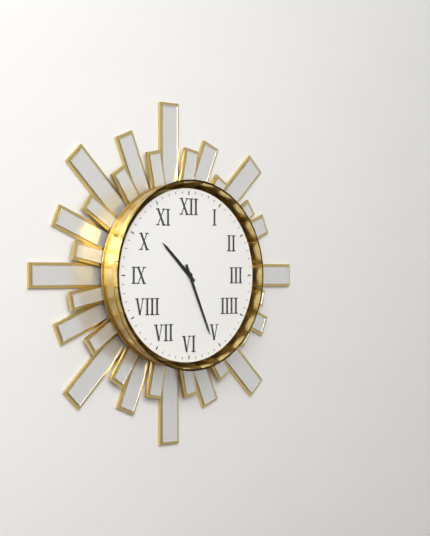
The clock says 10:26
